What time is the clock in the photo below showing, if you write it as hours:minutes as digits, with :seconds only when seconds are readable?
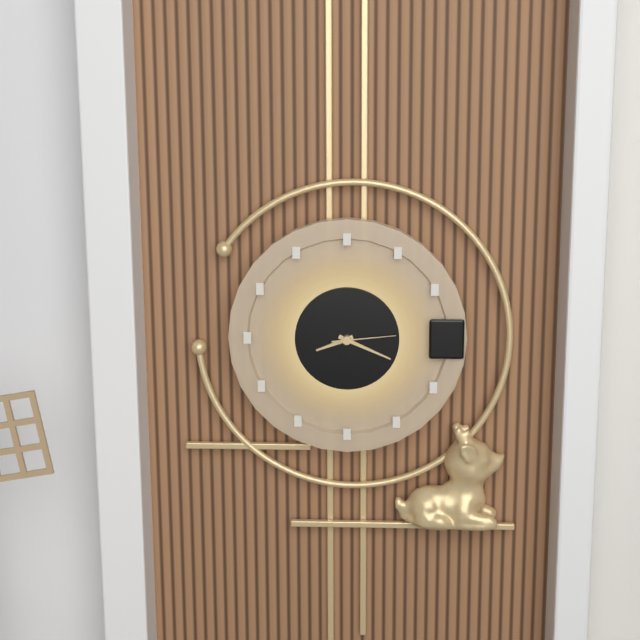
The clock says 8:19:14
